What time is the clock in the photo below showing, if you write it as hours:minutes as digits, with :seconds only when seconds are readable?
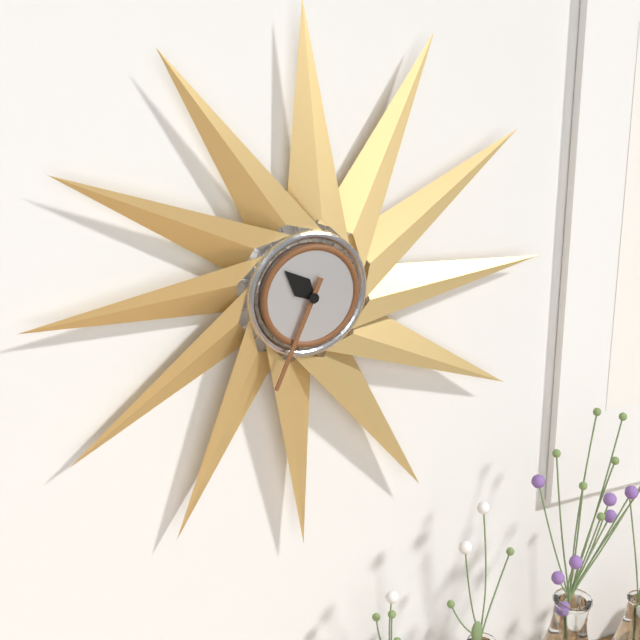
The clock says 10:34
